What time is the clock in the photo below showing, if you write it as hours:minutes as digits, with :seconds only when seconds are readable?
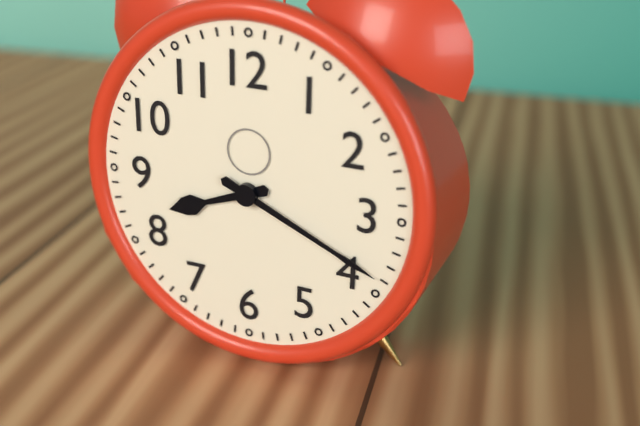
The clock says 8:19
